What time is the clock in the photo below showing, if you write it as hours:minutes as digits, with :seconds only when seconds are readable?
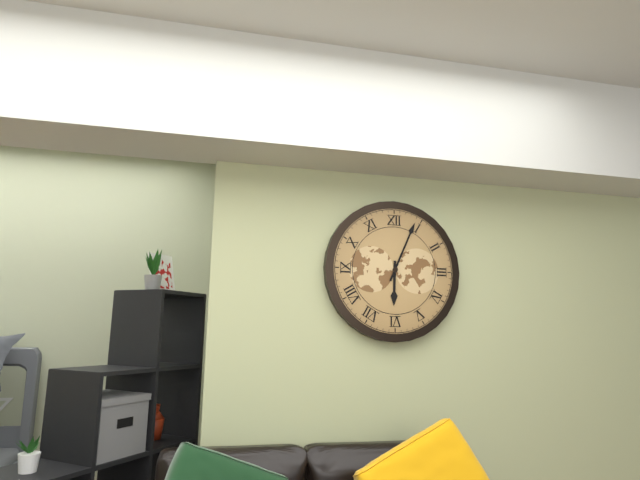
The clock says 6:04
